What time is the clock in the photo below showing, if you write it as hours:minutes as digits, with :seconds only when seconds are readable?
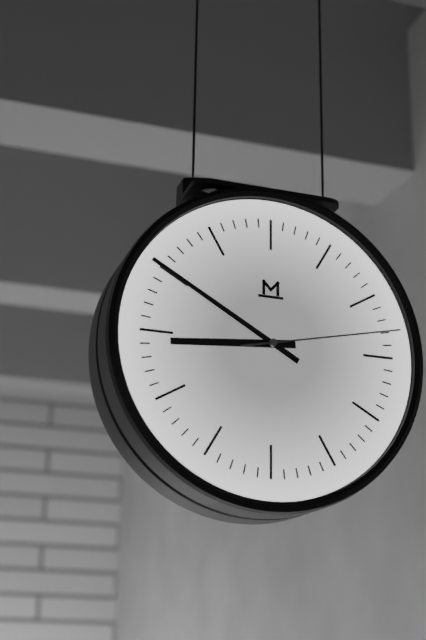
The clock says 8:50:13
